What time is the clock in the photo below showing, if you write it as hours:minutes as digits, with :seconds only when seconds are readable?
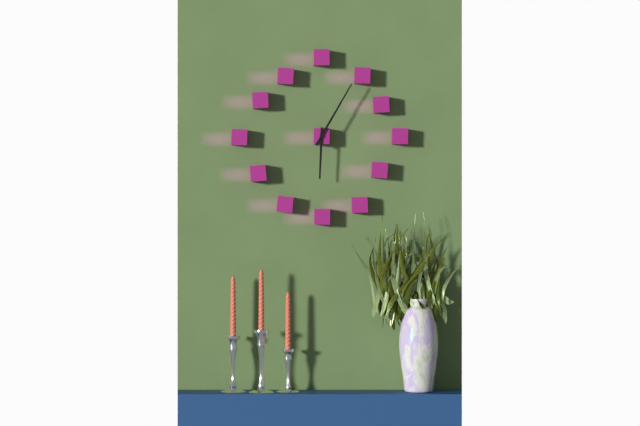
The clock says 6:05
